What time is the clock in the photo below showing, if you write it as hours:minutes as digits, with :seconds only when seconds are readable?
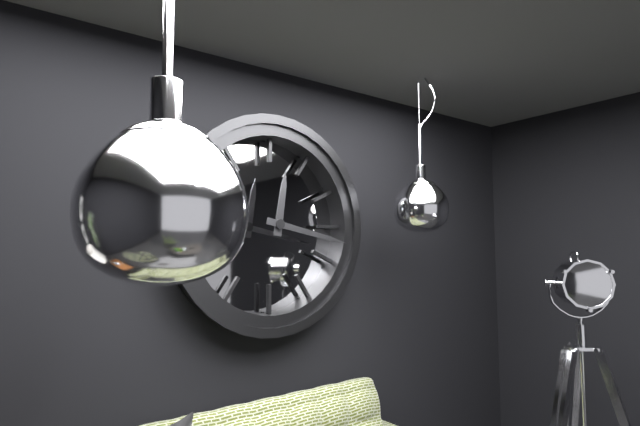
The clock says 12:17
